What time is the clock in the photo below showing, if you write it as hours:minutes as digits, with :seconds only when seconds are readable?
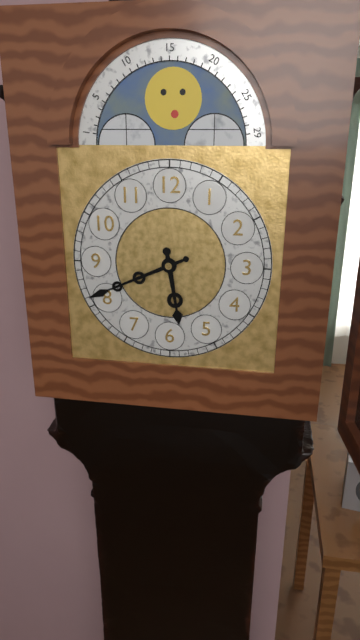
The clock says 5:41
